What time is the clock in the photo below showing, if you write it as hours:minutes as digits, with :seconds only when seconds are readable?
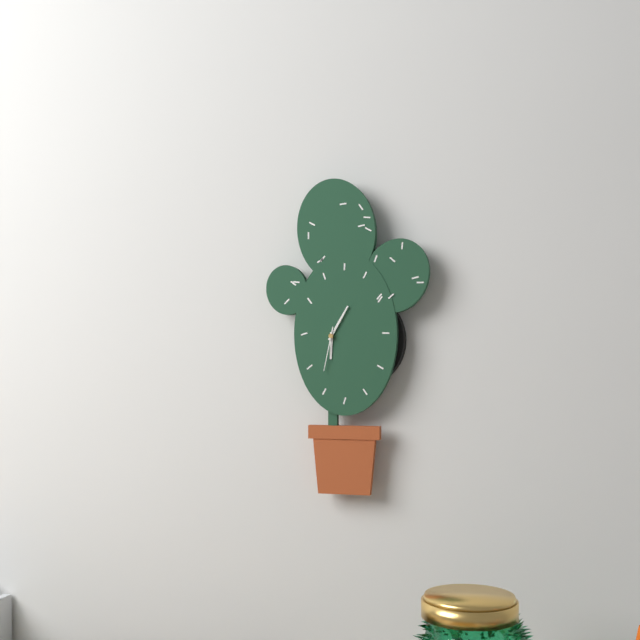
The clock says 6:05
